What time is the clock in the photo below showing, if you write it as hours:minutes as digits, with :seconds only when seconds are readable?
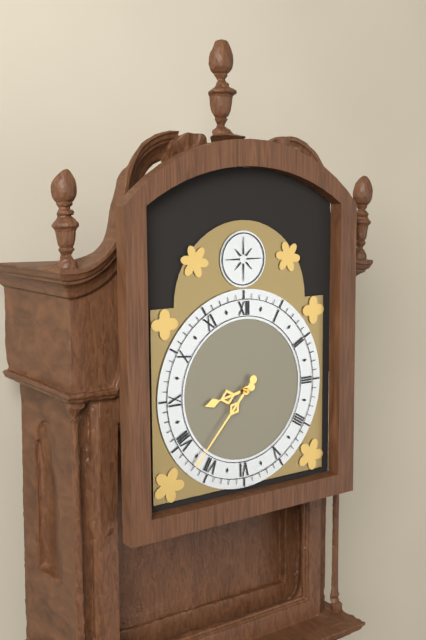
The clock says 8:37
